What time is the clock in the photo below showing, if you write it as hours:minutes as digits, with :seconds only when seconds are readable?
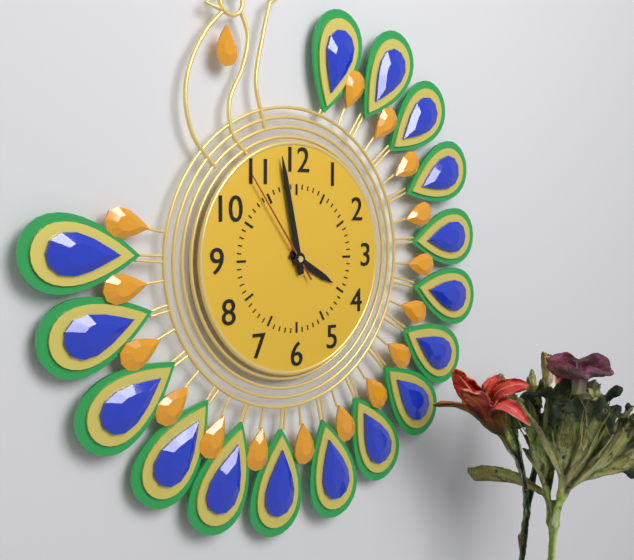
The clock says 3:58:54
